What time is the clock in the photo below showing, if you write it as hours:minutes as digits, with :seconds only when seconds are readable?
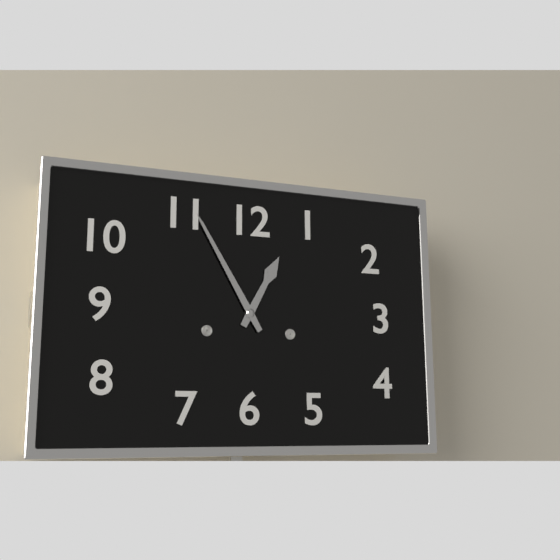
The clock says 12:55
